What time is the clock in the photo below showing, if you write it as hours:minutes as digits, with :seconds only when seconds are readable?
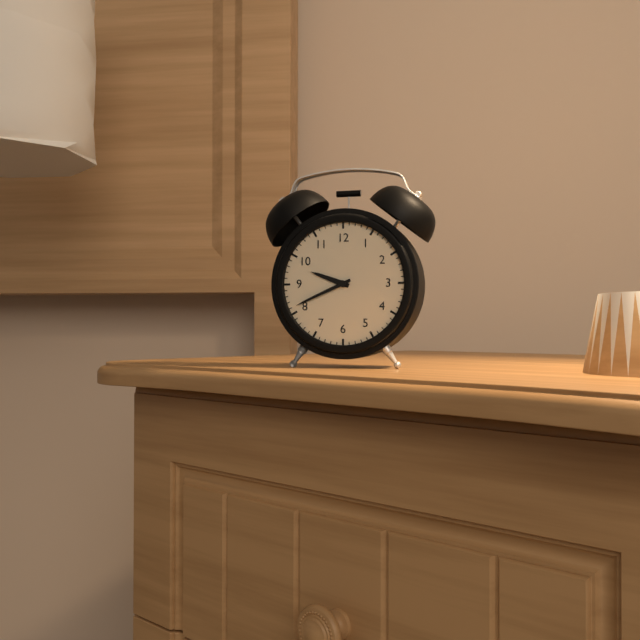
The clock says 9:41
